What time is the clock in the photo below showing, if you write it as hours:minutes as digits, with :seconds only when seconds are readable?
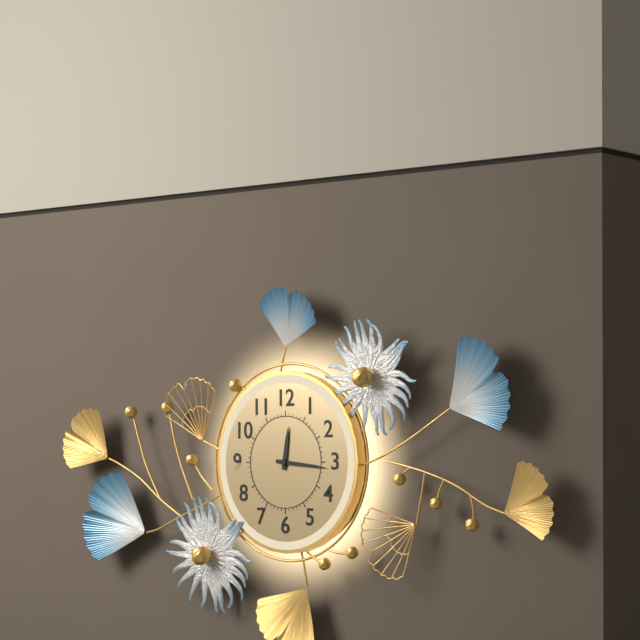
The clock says 12:16
